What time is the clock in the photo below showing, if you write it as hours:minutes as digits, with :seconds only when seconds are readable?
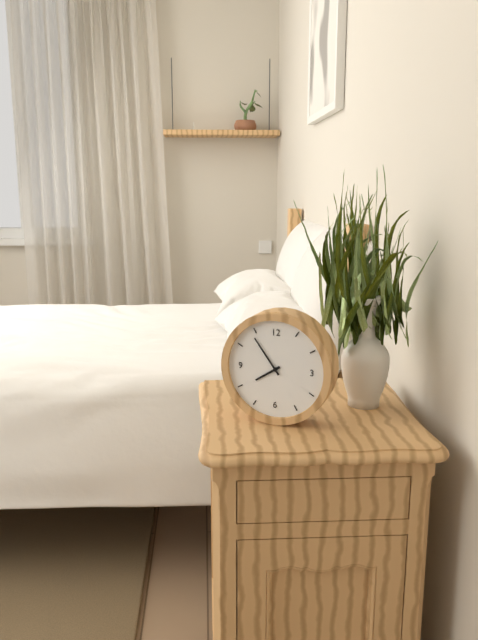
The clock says 7:54
